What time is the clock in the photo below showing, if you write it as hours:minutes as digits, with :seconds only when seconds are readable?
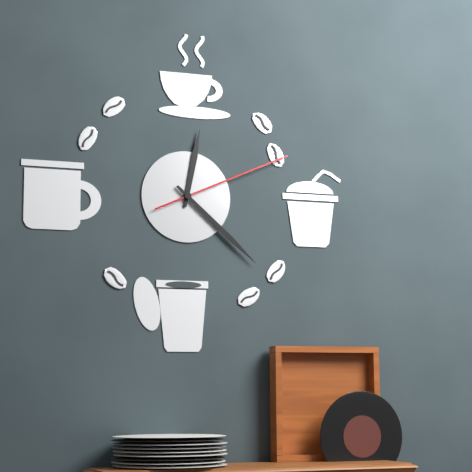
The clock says 12:22:11
